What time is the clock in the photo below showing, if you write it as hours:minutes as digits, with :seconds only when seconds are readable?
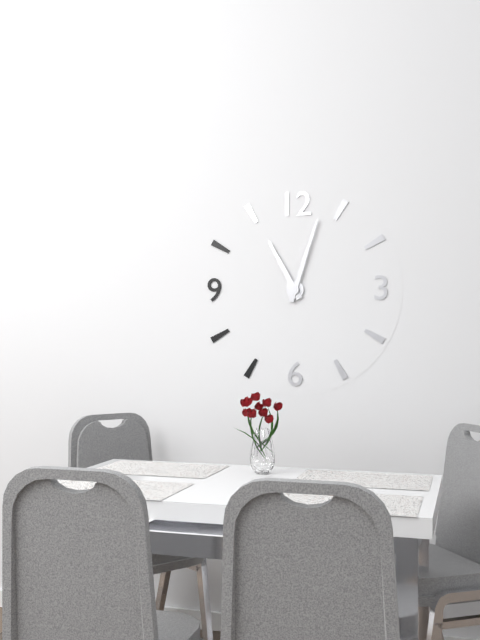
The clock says 11:03
